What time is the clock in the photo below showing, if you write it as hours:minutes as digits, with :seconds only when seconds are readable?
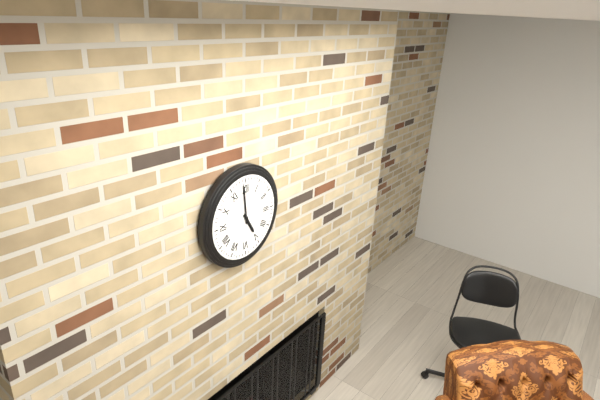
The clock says 4:59
